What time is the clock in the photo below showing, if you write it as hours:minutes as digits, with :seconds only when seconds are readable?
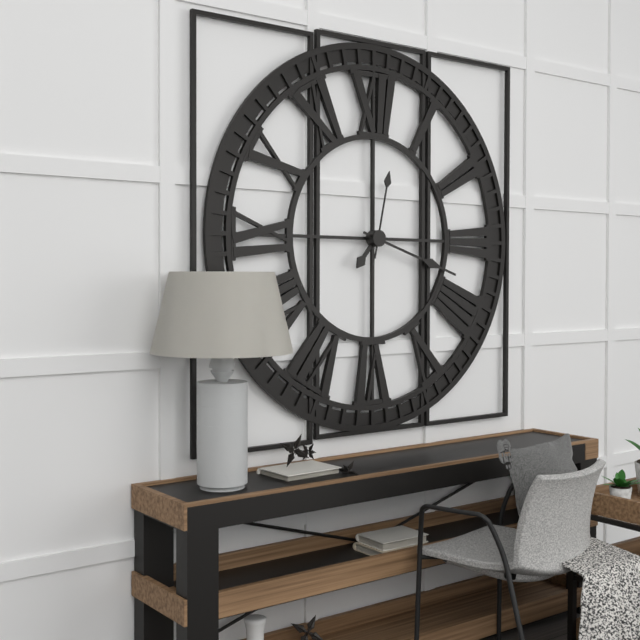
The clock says 7:18:02
